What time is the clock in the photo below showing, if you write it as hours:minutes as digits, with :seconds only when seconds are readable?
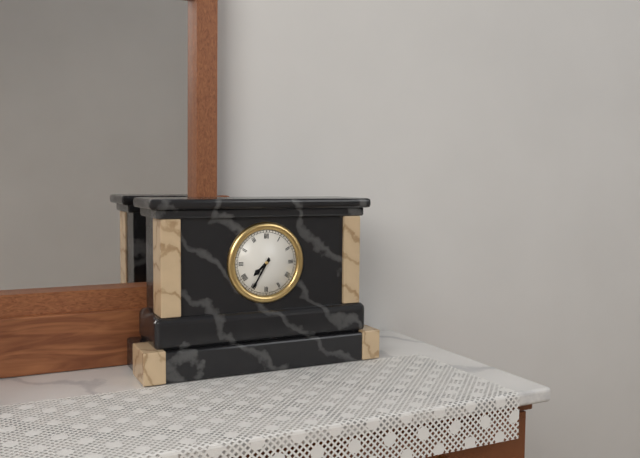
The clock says 7:35
